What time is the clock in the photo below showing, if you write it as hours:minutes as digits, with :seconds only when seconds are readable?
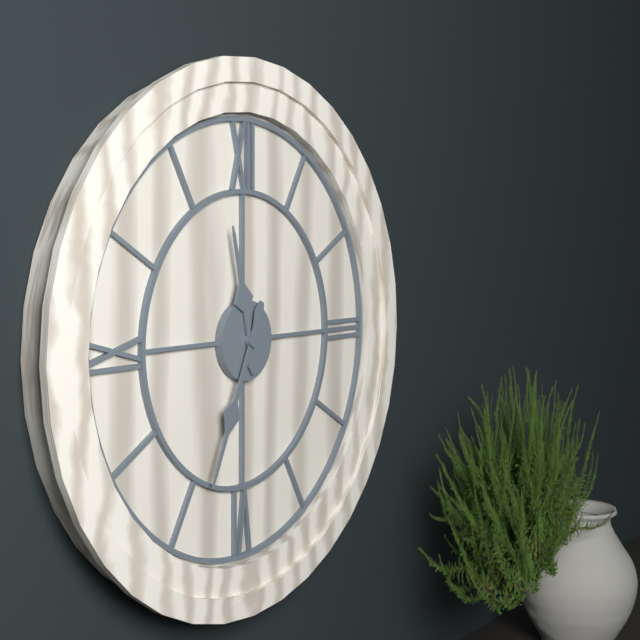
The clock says 11:34
